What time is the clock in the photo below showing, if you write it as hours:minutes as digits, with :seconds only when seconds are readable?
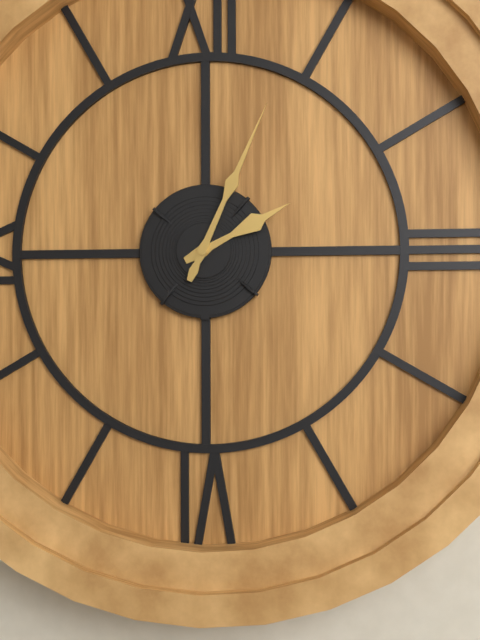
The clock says 2:04
